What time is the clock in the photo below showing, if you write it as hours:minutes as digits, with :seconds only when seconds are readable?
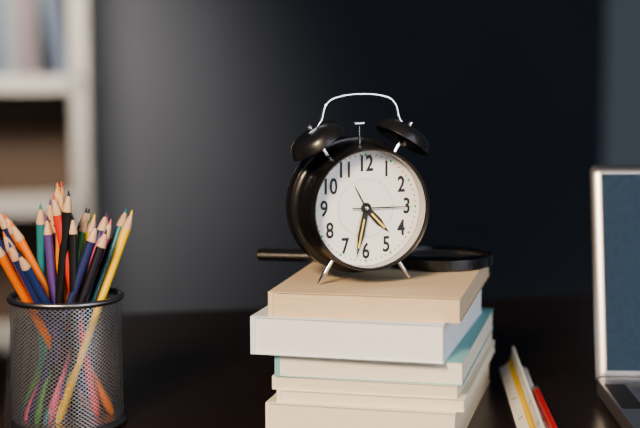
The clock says 4:32:15
